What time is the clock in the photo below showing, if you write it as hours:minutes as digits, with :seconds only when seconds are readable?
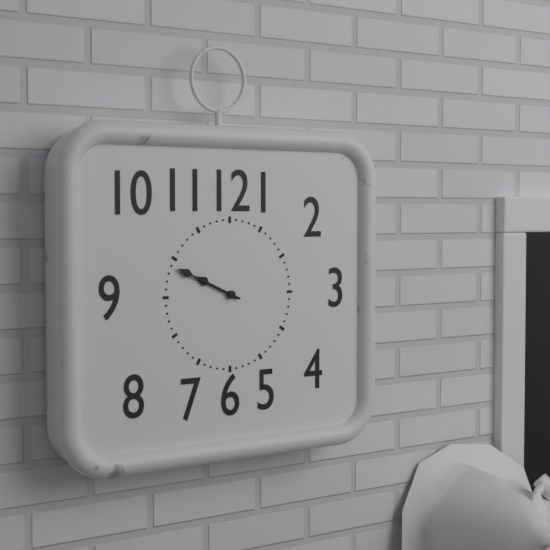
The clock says 9:49
